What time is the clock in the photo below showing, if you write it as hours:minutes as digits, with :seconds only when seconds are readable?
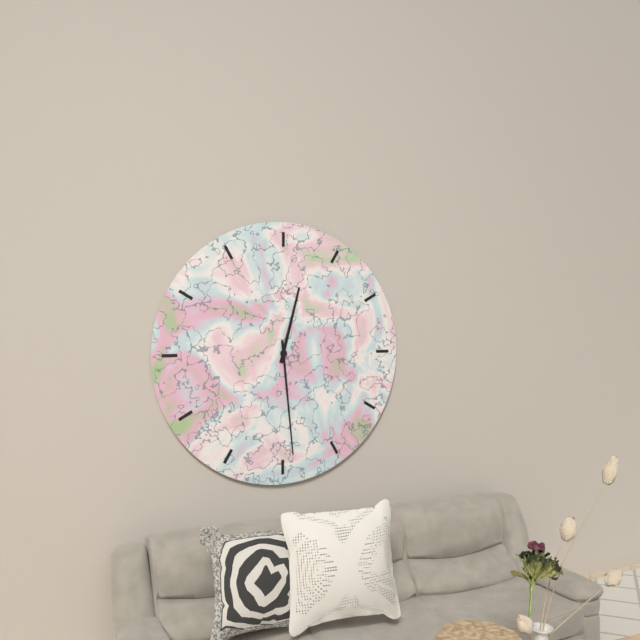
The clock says 12:29
